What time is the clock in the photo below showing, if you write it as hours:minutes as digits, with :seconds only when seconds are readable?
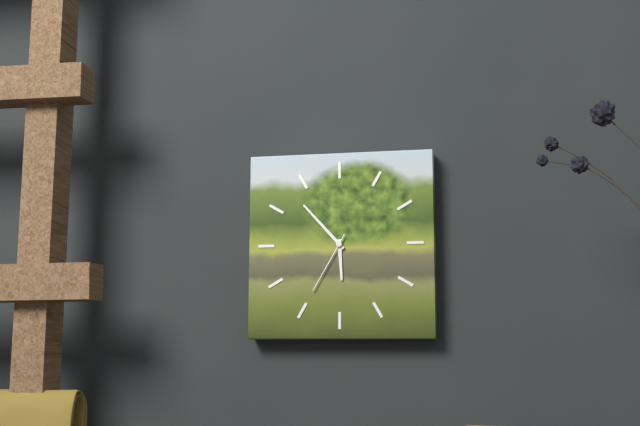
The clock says 5:53:35
